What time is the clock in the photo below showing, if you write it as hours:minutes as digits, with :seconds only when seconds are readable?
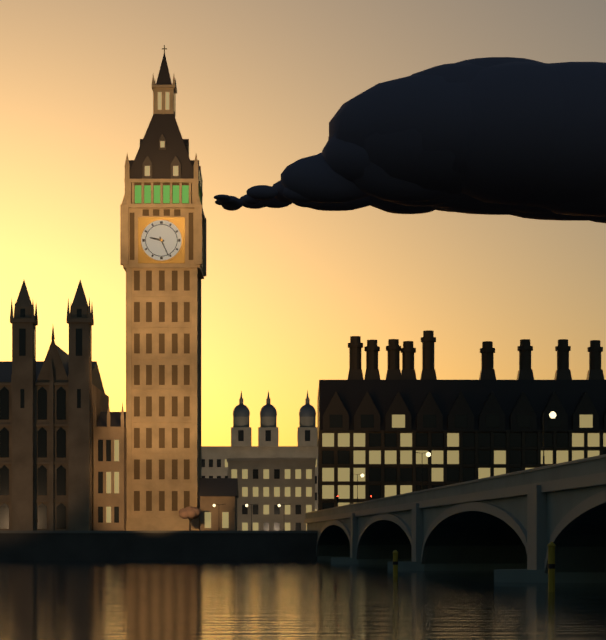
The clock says 9:26
